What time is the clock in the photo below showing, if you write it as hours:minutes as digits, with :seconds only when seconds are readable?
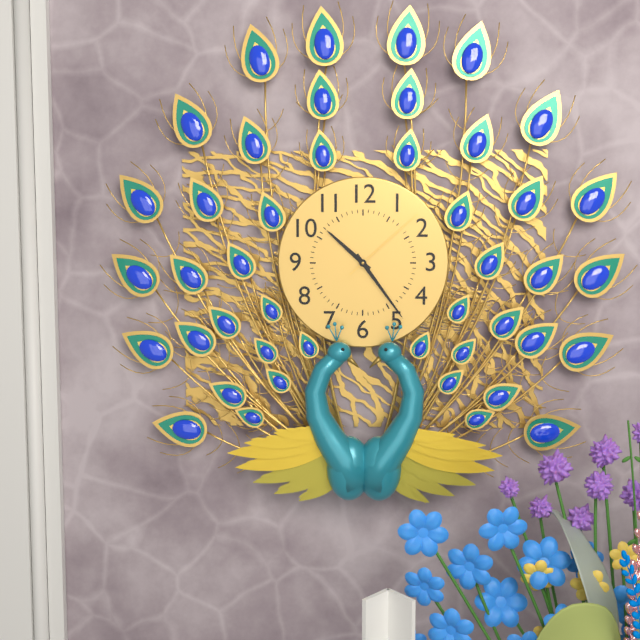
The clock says 10:24:08
